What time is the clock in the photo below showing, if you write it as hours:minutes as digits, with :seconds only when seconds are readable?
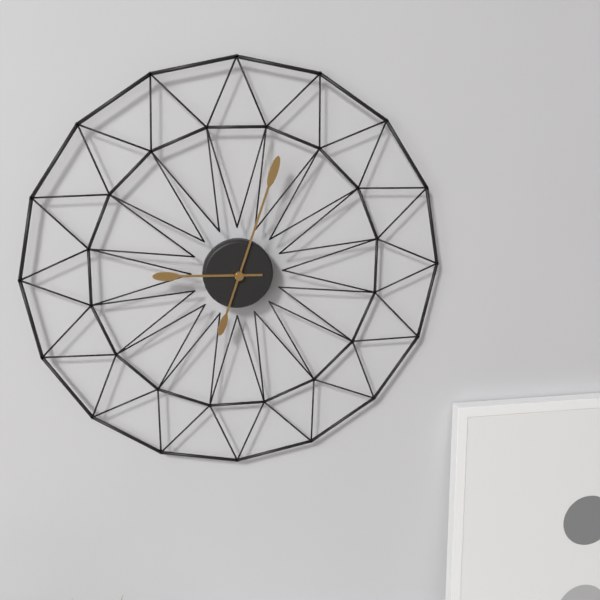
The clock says 9:03
